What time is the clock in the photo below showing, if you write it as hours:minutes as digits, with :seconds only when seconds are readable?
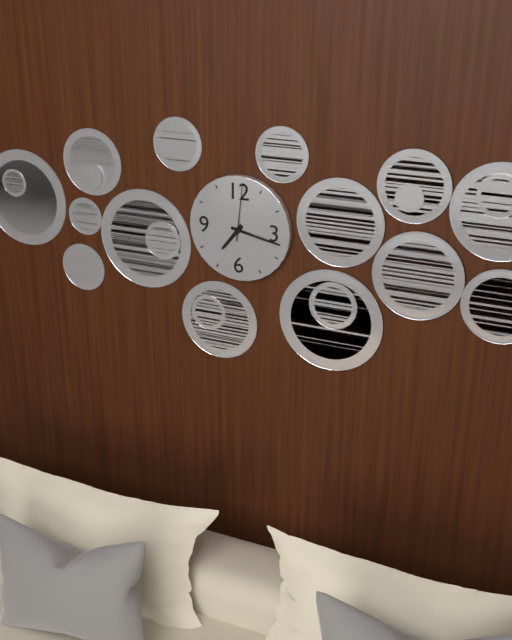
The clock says 7:17:01
